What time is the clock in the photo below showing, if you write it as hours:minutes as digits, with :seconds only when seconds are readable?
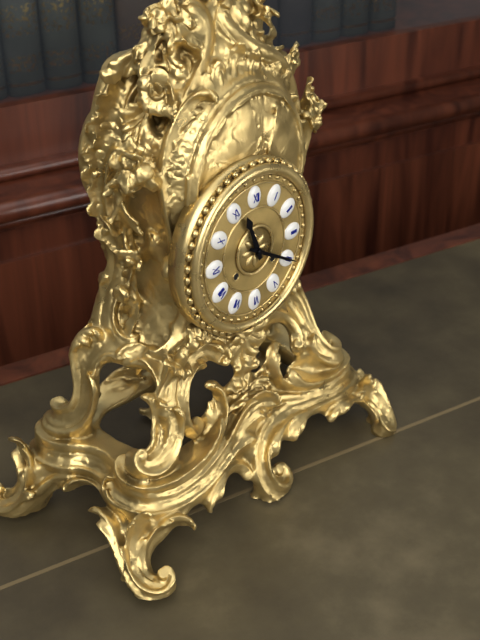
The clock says 11:20
